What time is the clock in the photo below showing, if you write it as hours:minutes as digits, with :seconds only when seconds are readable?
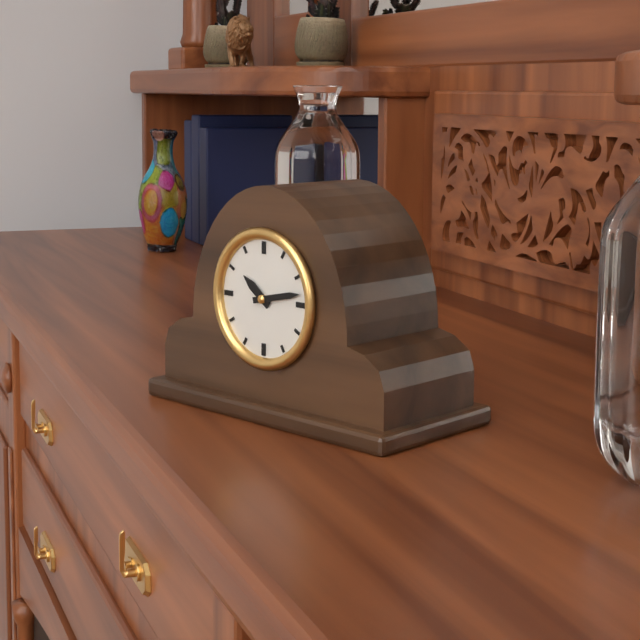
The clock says 10:13
